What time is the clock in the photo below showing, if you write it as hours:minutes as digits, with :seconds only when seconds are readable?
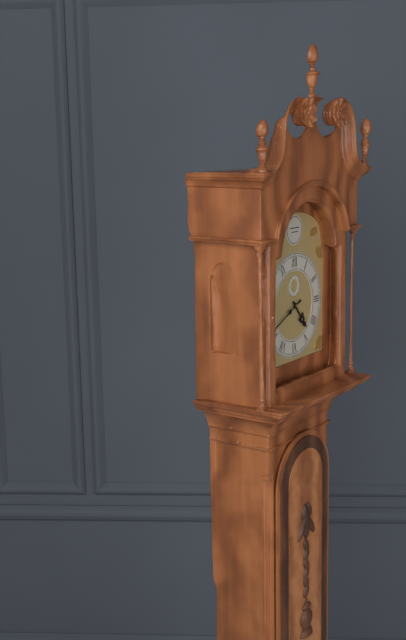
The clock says 4:41
